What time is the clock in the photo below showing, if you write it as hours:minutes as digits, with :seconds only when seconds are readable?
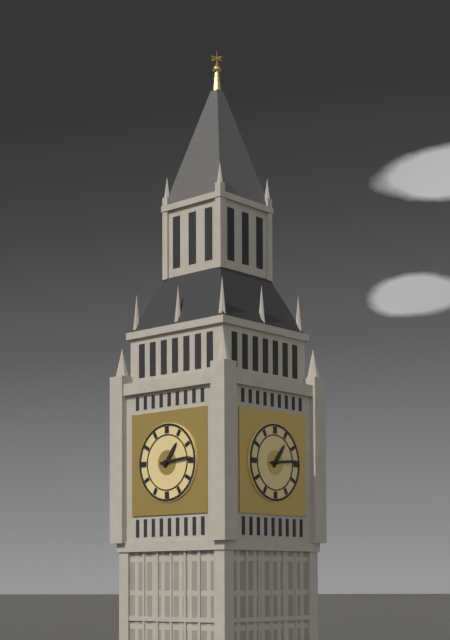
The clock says 1:14
